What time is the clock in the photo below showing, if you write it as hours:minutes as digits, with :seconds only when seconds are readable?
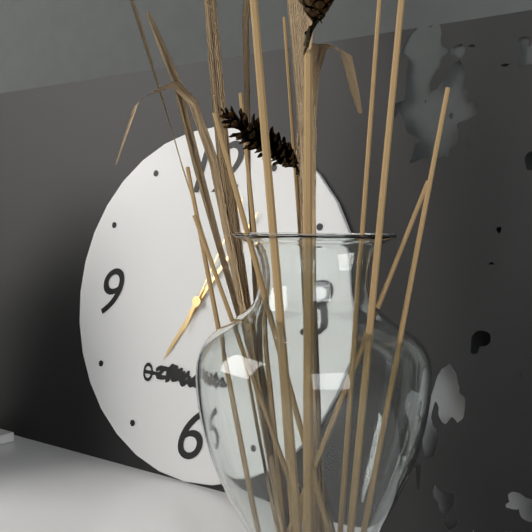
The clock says 7:06:04
